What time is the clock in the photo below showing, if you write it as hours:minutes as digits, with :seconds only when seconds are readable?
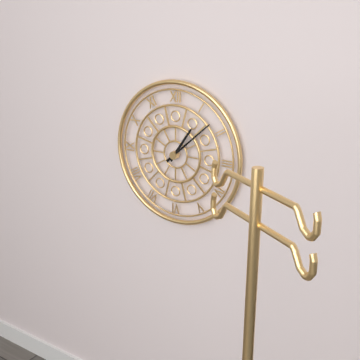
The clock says 1:08
